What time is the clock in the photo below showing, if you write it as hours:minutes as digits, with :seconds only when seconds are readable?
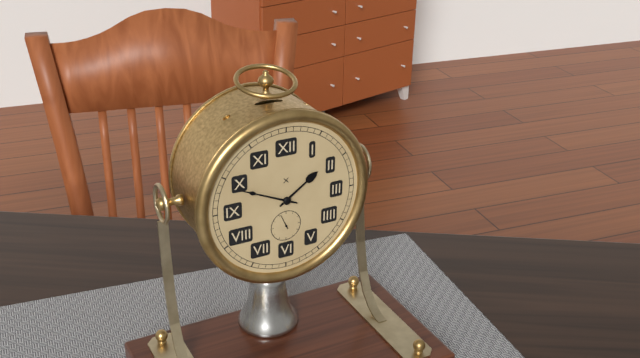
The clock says 1:49
